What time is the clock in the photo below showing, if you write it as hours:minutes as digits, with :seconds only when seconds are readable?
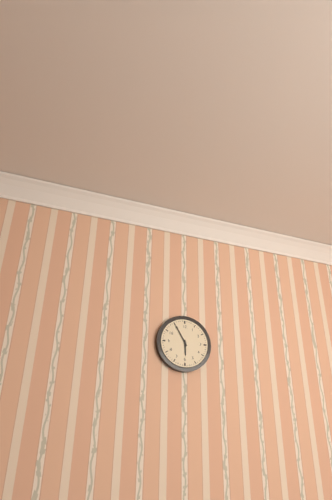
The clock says 5:55
